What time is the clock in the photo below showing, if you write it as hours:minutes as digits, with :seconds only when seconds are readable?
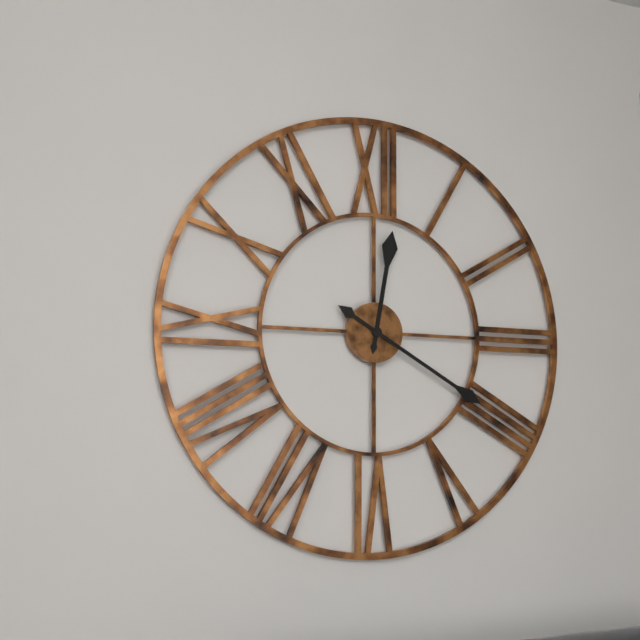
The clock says 12:20
